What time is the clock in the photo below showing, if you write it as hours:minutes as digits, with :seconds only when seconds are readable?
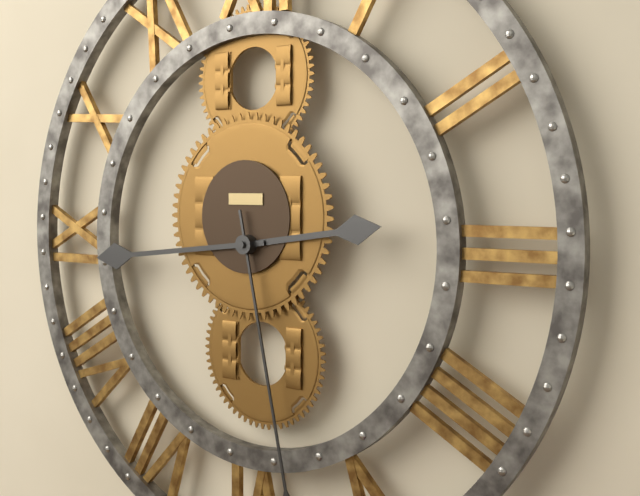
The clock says 2:44
